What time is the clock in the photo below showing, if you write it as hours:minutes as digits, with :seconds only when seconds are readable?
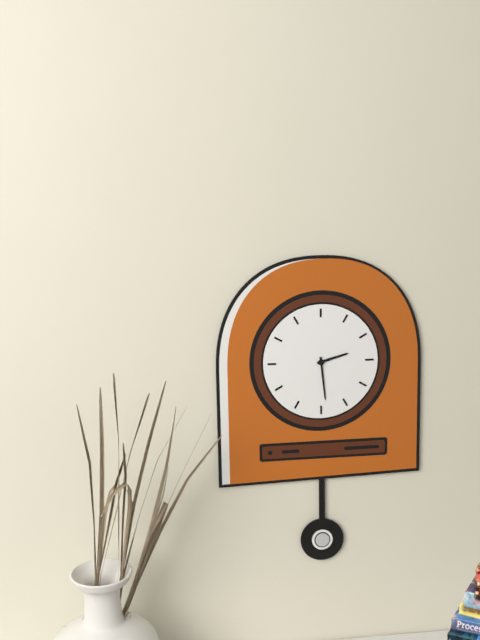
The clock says 2:29
